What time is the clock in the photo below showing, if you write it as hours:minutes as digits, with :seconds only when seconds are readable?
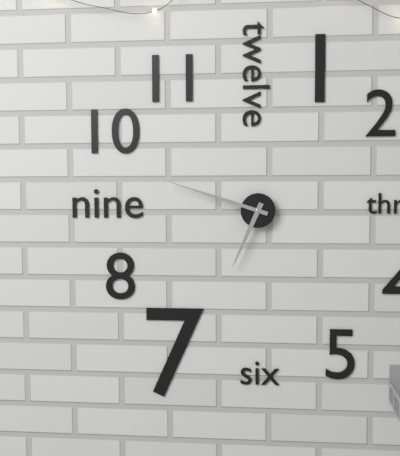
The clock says 6:48
